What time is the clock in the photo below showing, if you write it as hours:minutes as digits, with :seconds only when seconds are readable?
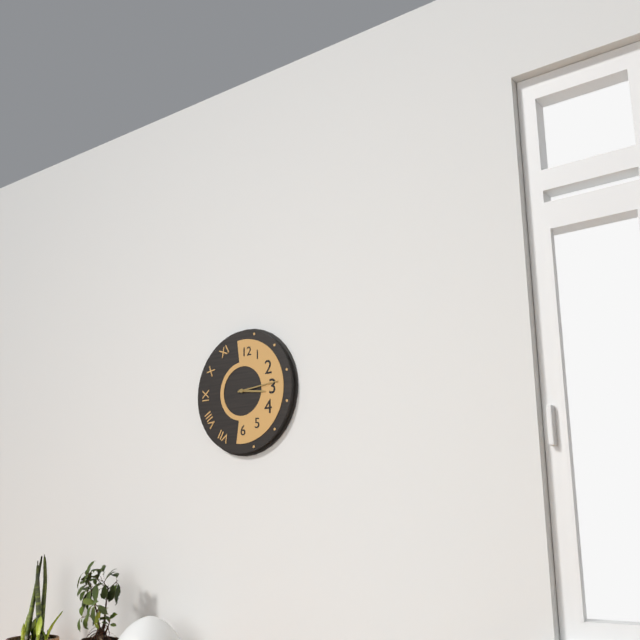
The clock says 3:14
